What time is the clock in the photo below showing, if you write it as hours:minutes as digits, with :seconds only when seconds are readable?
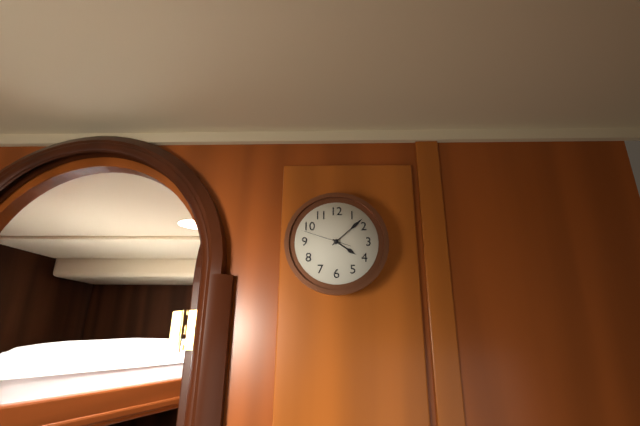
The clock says 4:08
